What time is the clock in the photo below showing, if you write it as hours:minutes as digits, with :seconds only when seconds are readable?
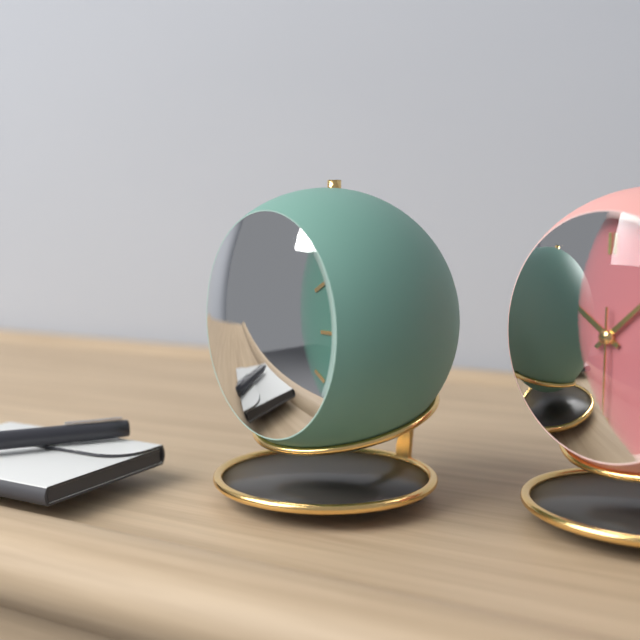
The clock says 11:35:45
